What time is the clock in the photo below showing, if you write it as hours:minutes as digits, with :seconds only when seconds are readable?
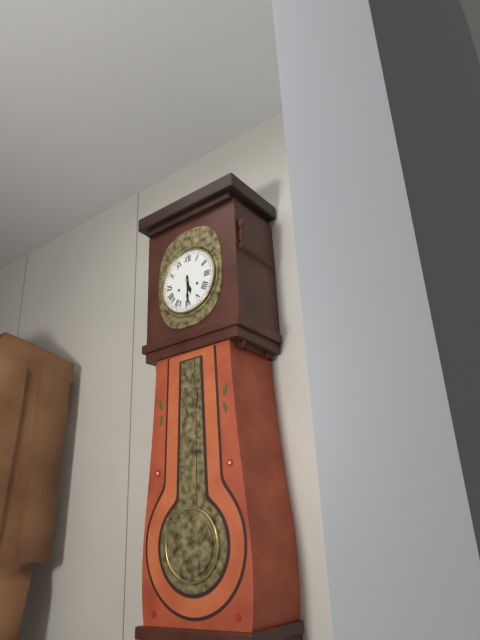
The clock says 5:30
